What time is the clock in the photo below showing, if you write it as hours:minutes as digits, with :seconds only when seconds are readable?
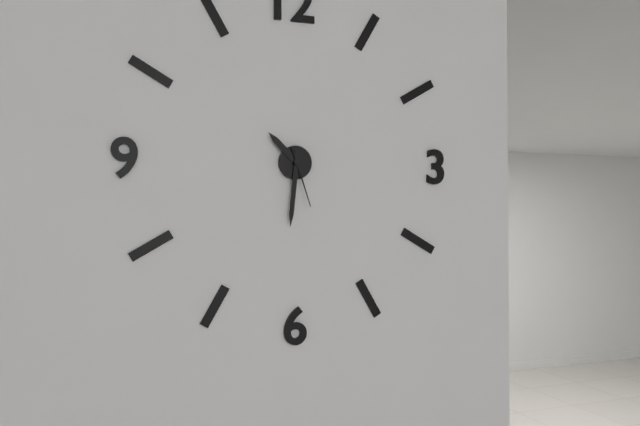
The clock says 10:31:27
